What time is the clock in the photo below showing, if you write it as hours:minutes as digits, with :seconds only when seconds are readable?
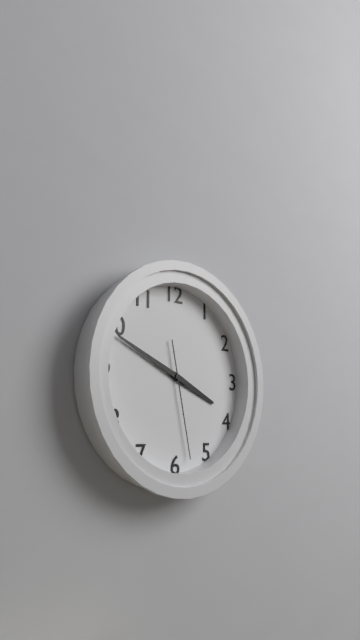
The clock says 3:49:28
